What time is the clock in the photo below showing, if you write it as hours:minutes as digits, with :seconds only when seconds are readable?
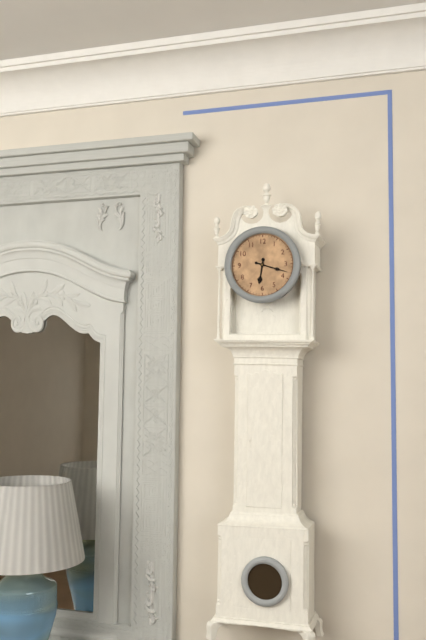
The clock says 6:18
